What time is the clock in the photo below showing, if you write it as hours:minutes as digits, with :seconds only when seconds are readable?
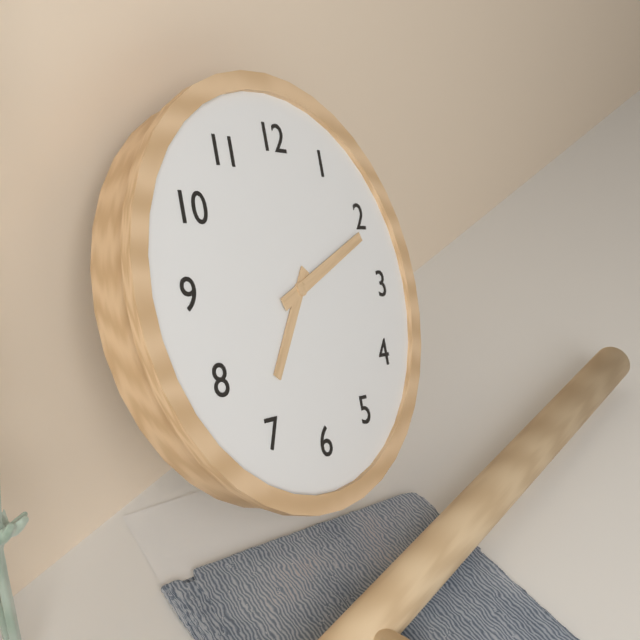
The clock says 7:11
